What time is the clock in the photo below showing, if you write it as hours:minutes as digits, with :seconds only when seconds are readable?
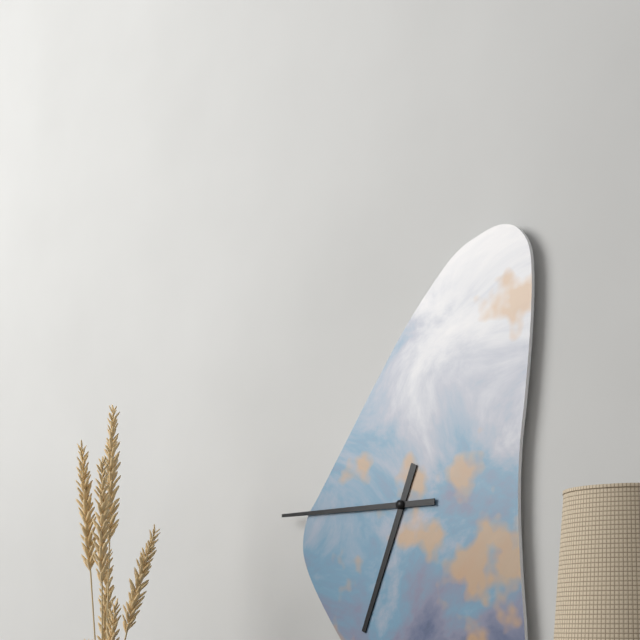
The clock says 6:45
